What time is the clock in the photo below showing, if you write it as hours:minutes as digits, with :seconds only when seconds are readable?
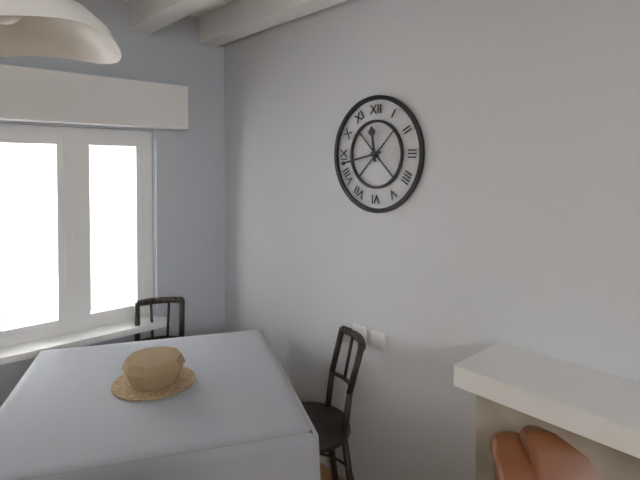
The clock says 11:43
